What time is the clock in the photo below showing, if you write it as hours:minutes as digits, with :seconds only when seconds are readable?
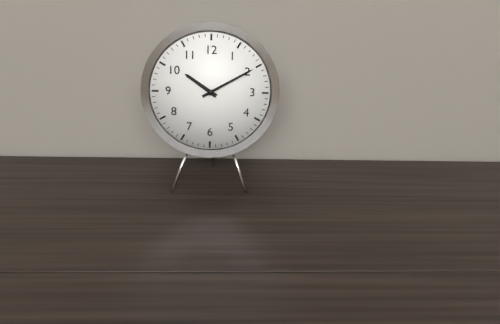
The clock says 10:10
